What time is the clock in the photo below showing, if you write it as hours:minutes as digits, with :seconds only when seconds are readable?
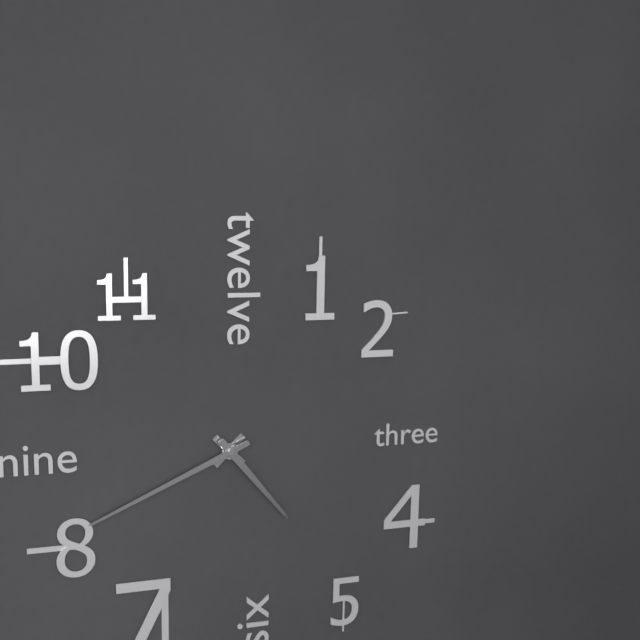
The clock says 4:41
